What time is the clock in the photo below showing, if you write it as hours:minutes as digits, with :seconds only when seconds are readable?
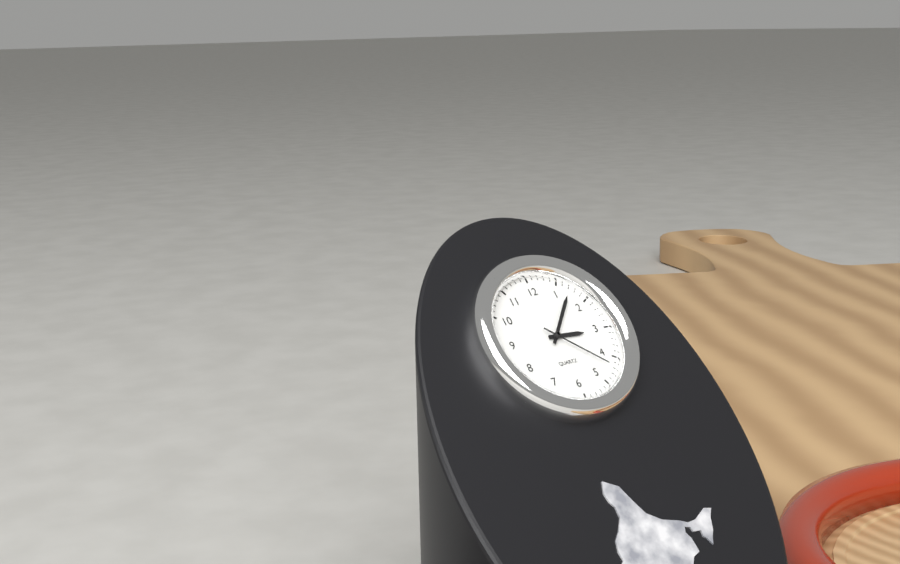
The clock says 3:07:22
